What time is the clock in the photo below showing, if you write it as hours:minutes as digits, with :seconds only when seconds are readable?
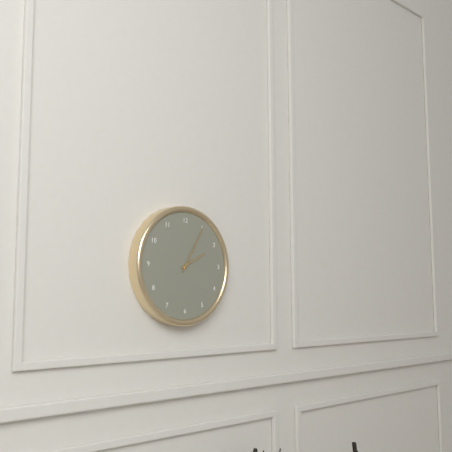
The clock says 2:05
